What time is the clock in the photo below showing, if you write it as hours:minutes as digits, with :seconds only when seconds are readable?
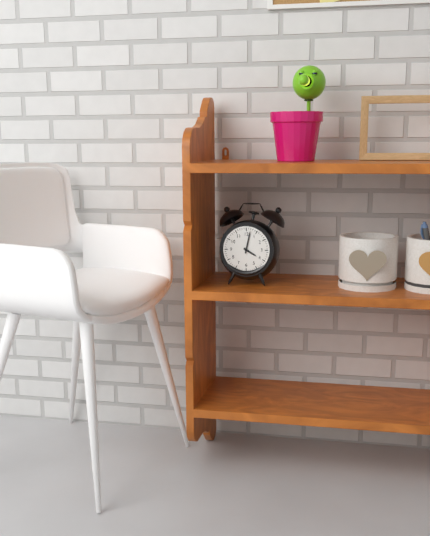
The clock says 4:02
